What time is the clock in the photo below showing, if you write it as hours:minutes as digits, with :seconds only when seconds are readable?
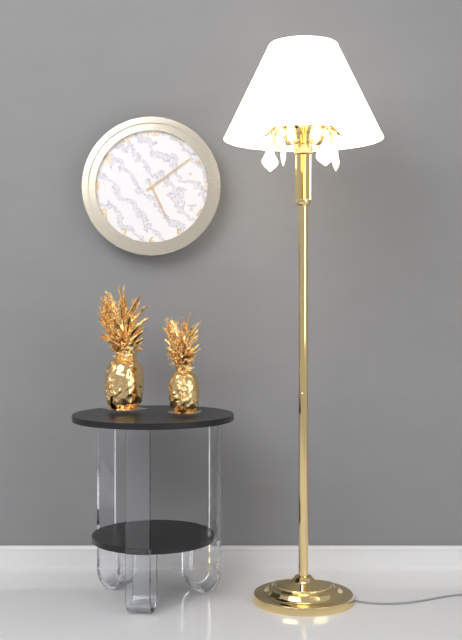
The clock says 5:09
